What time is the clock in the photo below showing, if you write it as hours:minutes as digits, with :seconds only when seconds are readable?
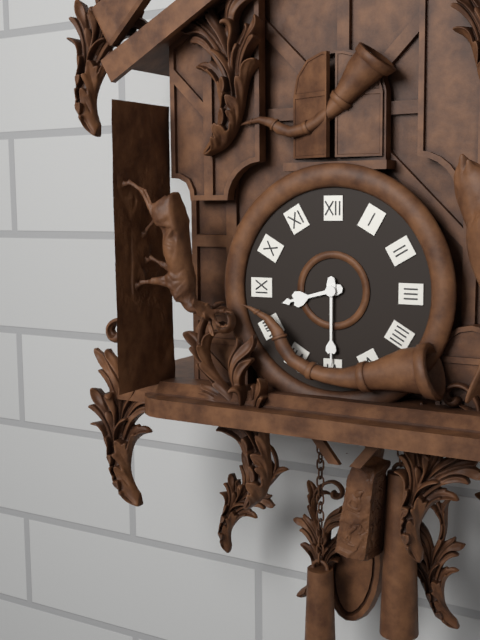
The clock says 8:30
